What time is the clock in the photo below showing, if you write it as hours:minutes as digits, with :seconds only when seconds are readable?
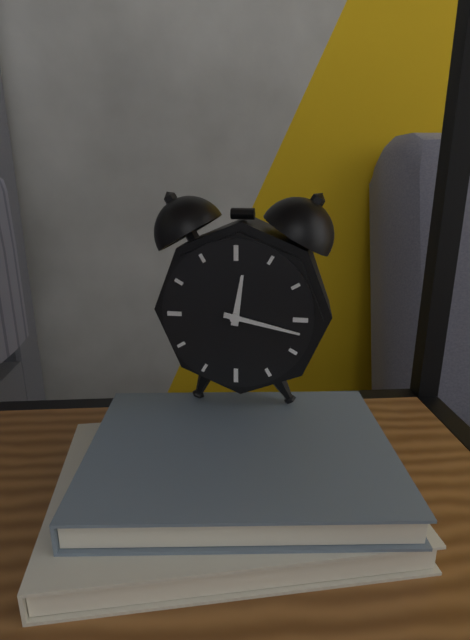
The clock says 12:17
